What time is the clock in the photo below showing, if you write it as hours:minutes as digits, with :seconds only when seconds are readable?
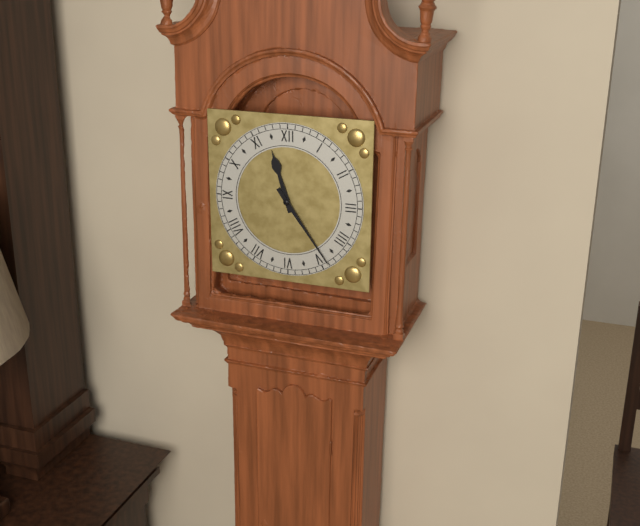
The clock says 11:24
